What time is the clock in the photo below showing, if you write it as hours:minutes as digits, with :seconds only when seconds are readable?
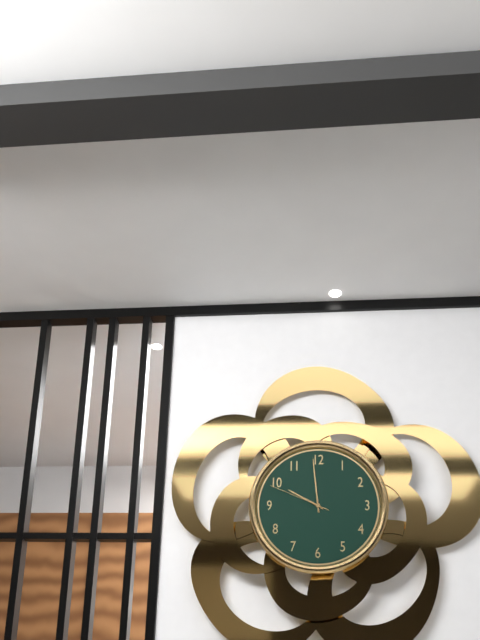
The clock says 9:59:49
